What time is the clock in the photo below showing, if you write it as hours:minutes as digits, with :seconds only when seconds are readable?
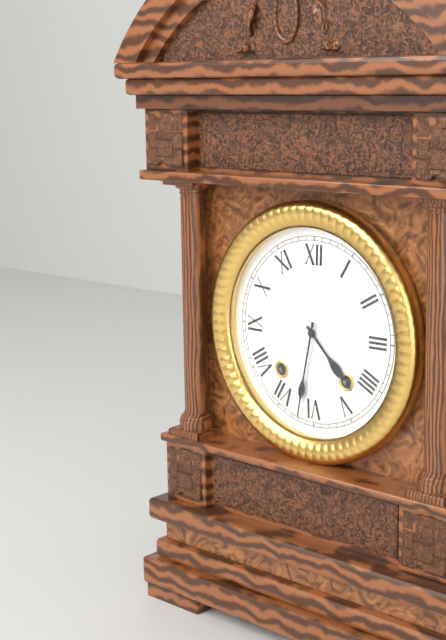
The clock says 4:32
